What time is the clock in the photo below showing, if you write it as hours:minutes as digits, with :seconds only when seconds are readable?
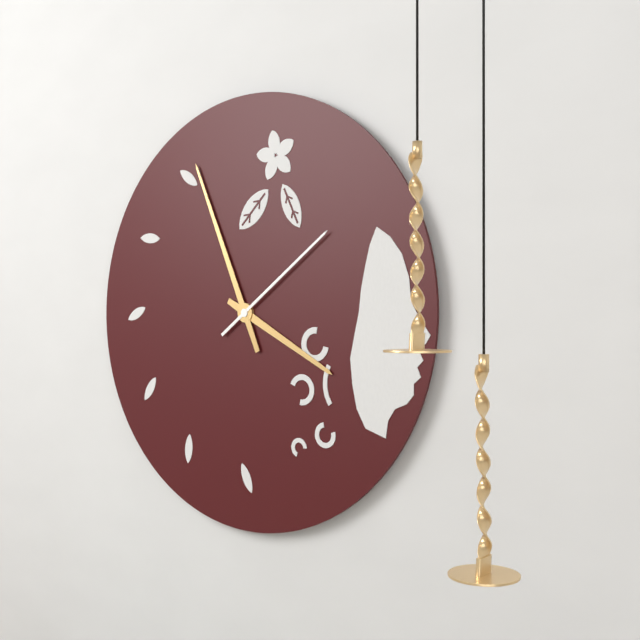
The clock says 3:56:09
